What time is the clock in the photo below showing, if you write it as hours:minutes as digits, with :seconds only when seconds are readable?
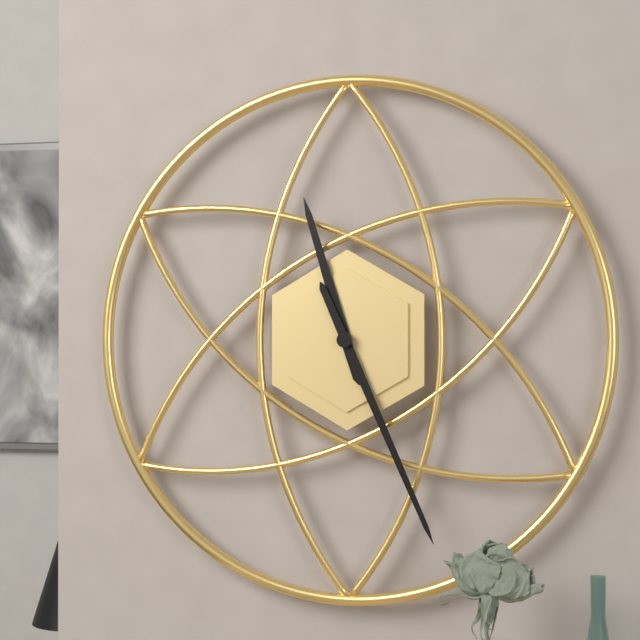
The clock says 11:26
